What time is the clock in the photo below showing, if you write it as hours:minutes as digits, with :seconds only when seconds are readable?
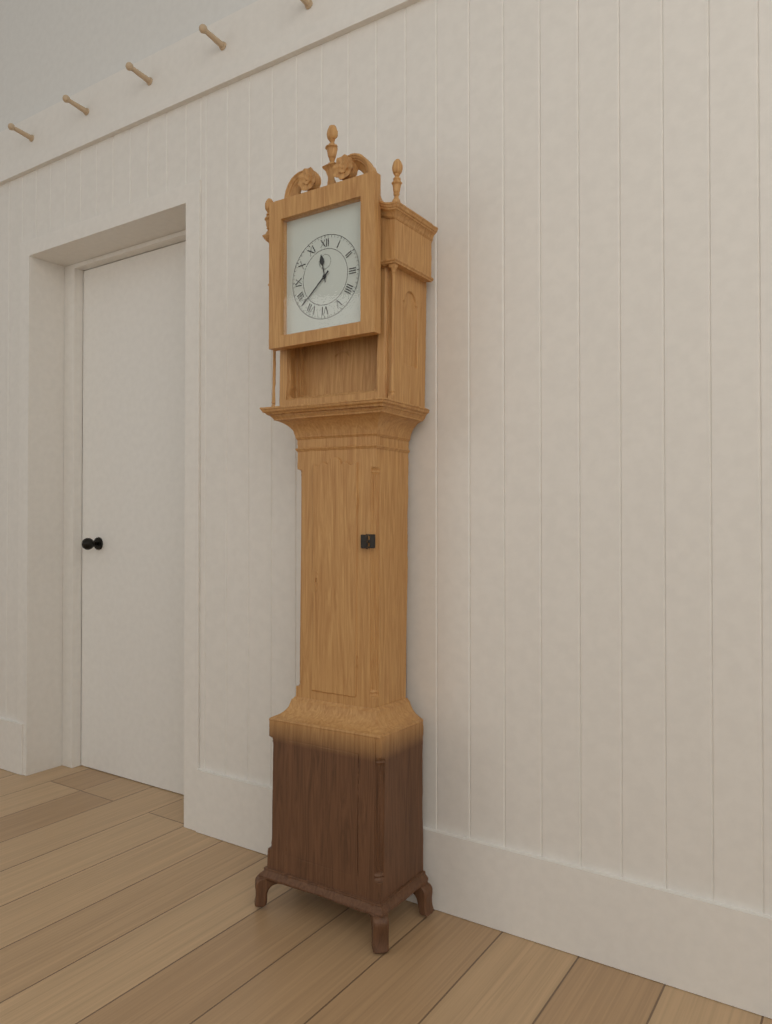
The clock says 11:38
